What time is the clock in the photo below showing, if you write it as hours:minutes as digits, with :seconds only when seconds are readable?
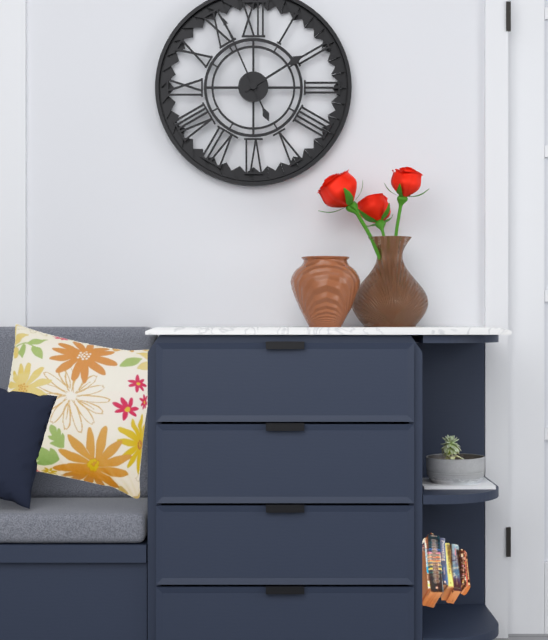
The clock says 1:56
